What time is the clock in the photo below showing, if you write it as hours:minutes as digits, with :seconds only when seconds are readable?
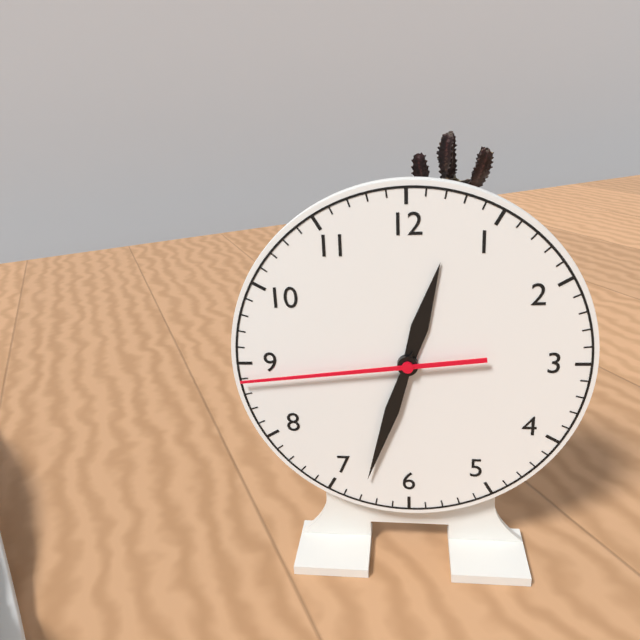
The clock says 12:33:44
